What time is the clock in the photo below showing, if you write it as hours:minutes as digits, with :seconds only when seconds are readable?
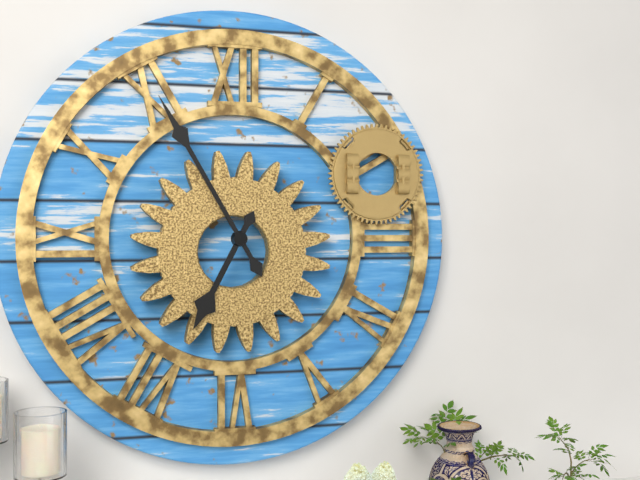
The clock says 6:55
